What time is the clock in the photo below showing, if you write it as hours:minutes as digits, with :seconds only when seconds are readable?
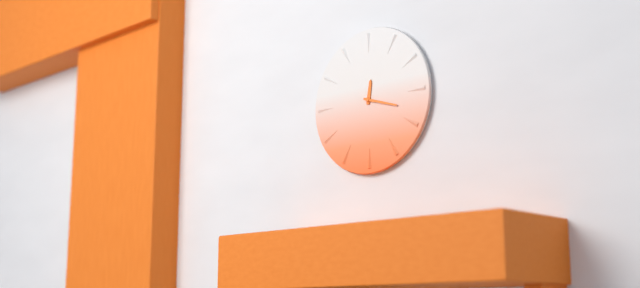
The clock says 12:18
